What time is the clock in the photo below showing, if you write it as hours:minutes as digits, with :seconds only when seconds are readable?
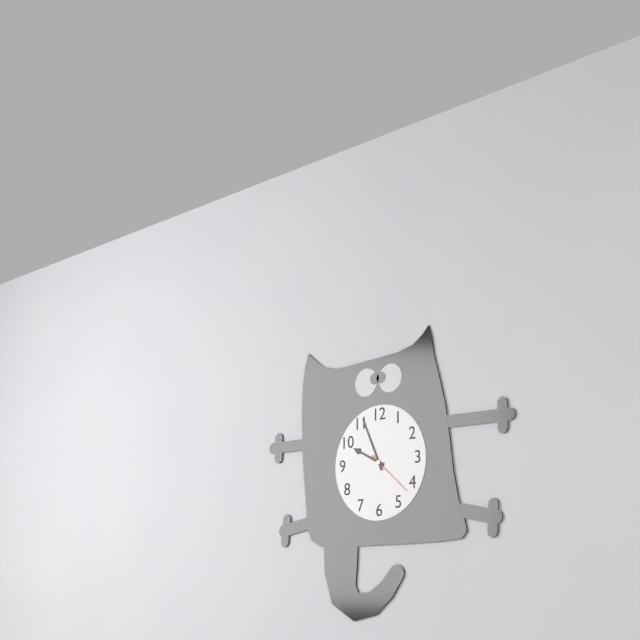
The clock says 9:56:22
